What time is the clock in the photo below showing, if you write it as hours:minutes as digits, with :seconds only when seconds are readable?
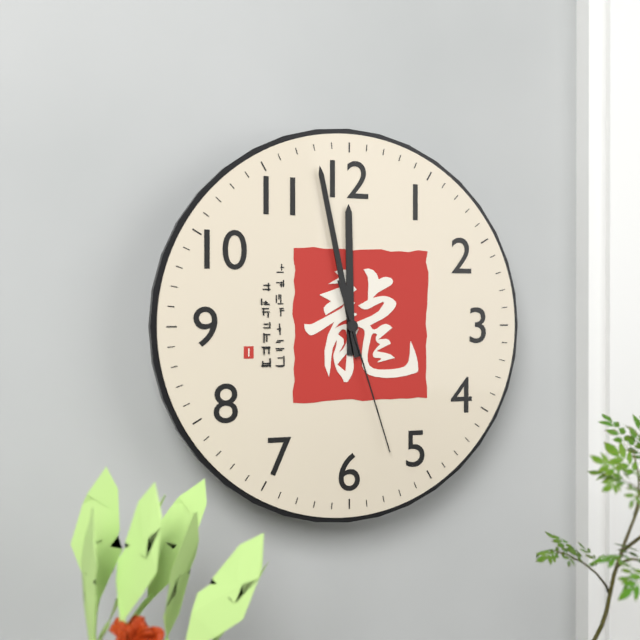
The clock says 11:58:27
